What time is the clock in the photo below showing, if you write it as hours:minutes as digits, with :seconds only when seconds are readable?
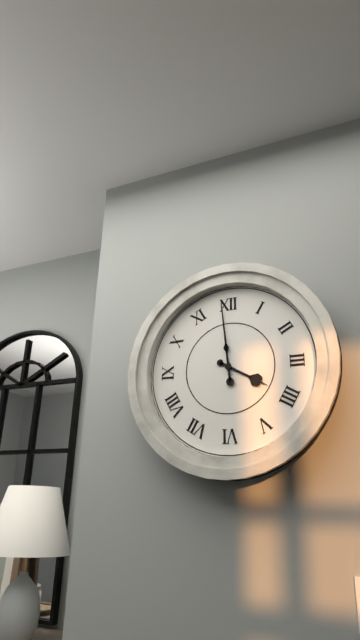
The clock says 3:59
